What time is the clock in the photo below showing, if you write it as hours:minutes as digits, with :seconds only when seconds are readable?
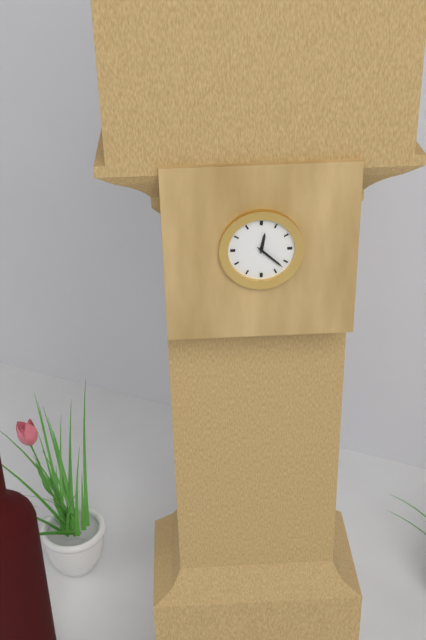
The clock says 12:22
